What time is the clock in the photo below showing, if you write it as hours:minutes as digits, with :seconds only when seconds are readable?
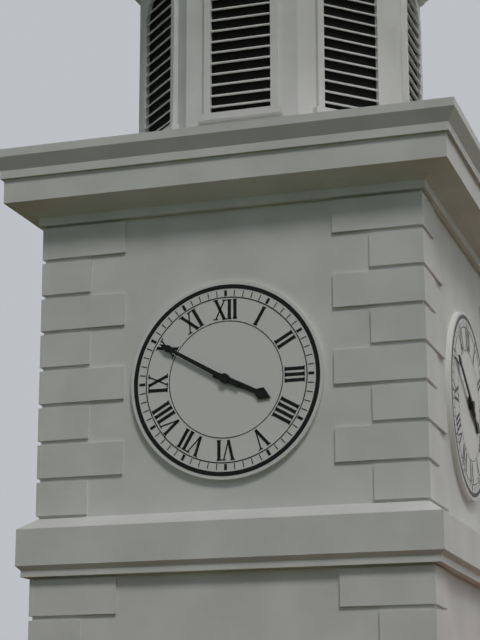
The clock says 3:50
